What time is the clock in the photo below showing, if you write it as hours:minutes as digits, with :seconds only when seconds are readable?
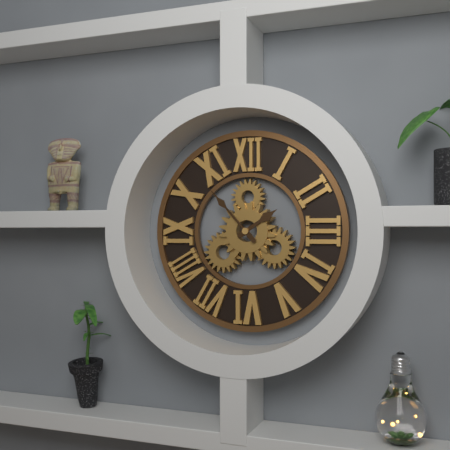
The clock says 1:53
